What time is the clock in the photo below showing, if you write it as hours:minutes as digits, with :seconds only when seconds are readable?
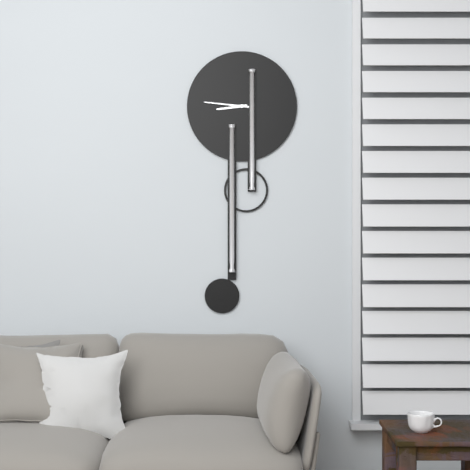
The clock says 8:46
